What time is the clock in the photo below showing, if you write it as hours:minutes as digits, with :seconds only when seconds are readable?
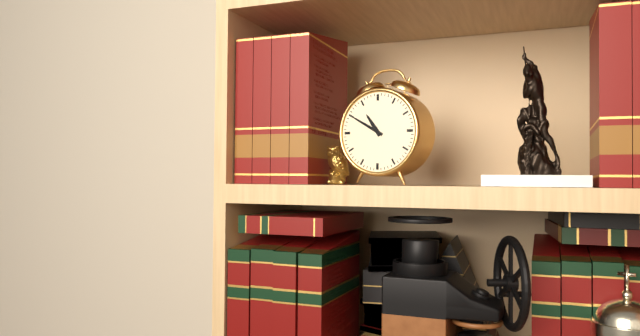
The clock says 10:50
